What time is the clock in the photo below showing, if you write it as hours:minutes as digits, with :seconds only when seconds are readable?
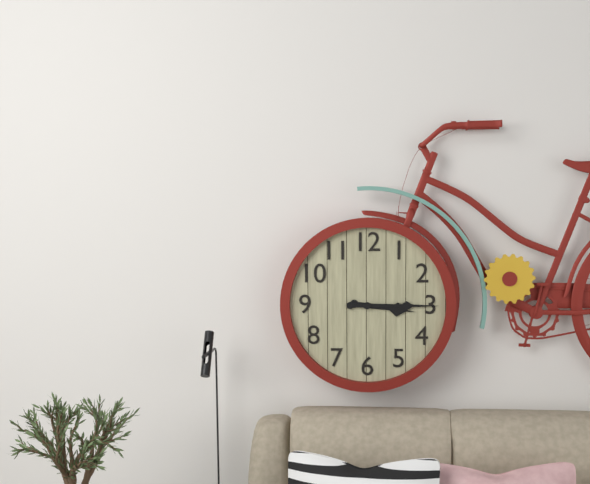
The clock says 3:15
